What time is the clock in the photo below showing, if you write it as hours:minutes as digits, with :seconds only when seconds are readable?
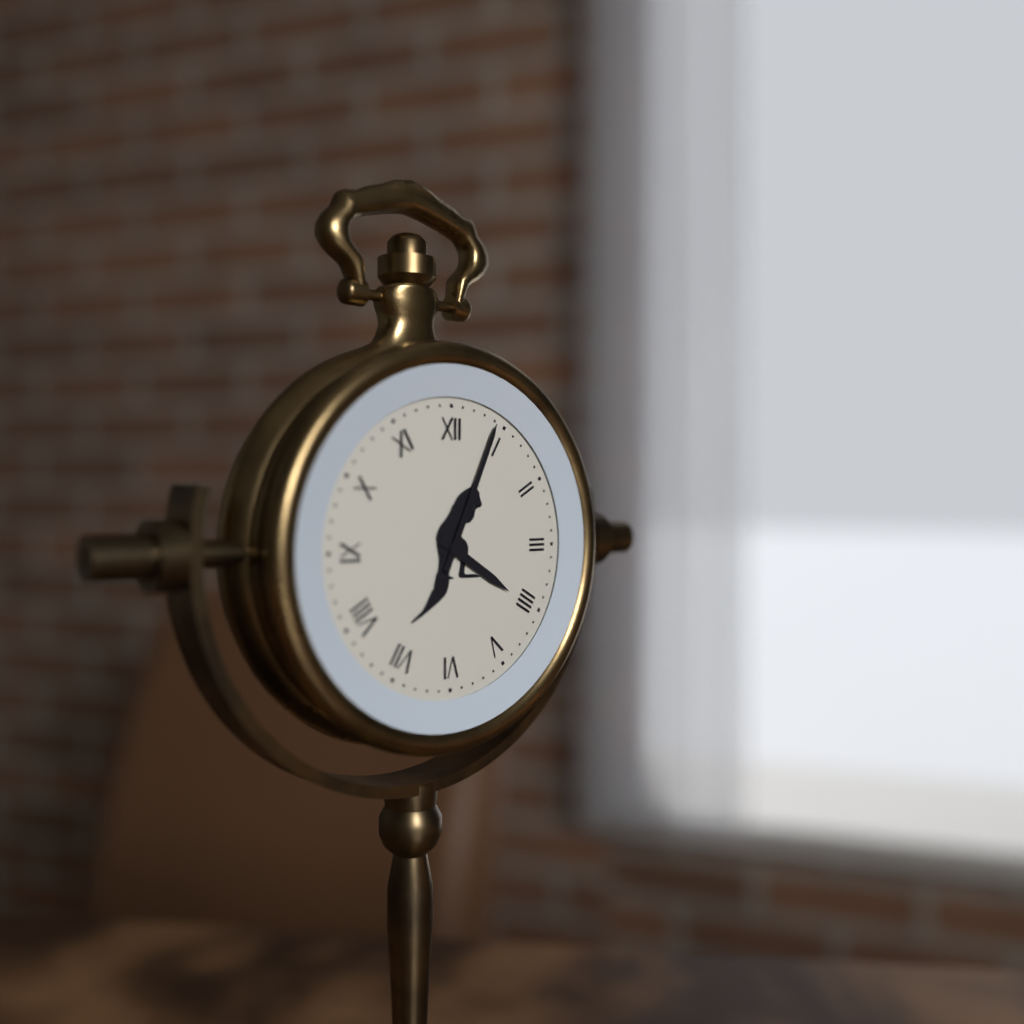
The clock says 4:04
